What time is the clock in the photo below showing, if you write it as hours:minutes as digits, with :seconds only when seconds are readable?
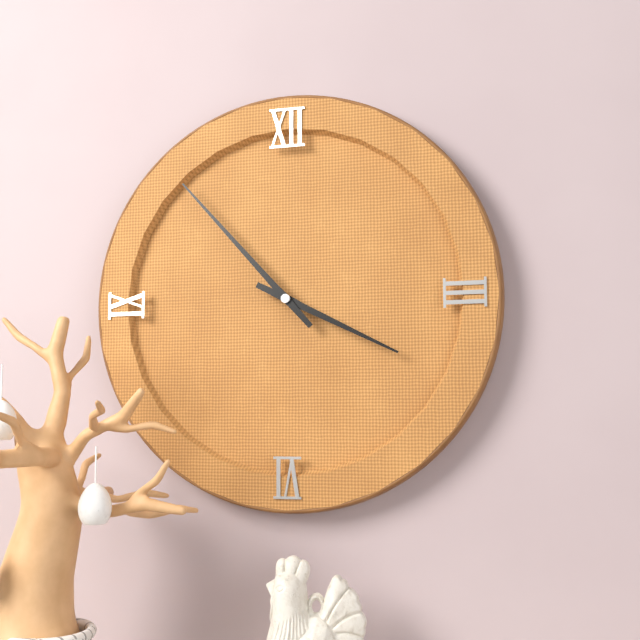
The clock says 3:53
